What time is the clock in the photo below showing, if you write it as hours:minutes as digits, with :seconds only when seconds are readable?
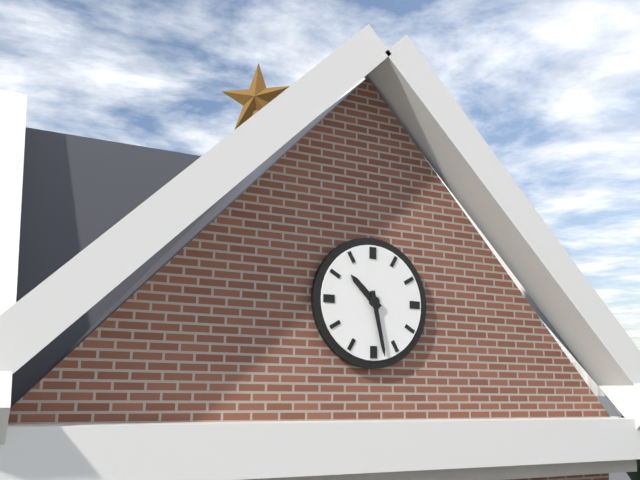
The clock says 10:28
